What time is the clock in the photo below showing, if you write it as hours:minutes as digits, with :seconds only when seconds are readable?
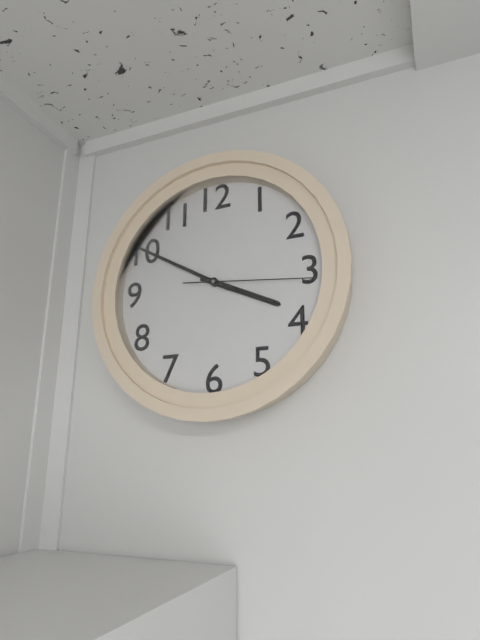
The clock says 3:50:16
